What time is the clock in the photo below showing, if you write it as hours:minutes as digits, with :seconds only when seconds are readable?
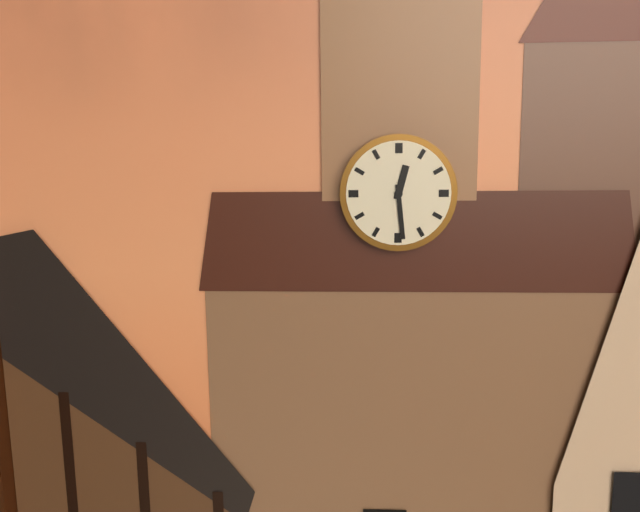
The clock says 12:29
